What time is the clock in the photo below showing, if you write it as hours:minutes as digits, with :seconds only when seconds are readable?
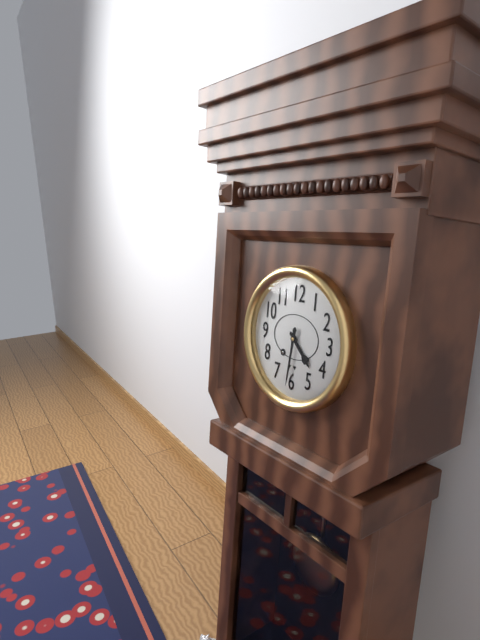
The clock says 4:31
